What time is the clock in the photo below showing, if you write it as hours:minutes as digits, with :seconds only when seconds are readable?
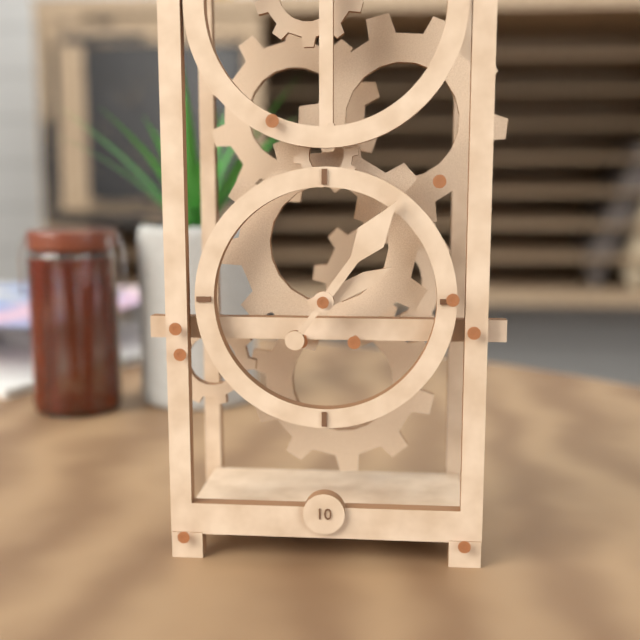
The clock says 2:06
